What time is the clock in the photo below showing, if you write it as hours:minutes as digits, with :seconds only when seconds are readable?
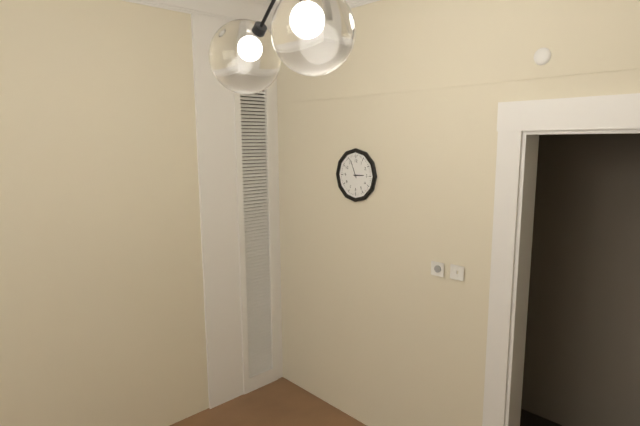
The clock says 2:56
